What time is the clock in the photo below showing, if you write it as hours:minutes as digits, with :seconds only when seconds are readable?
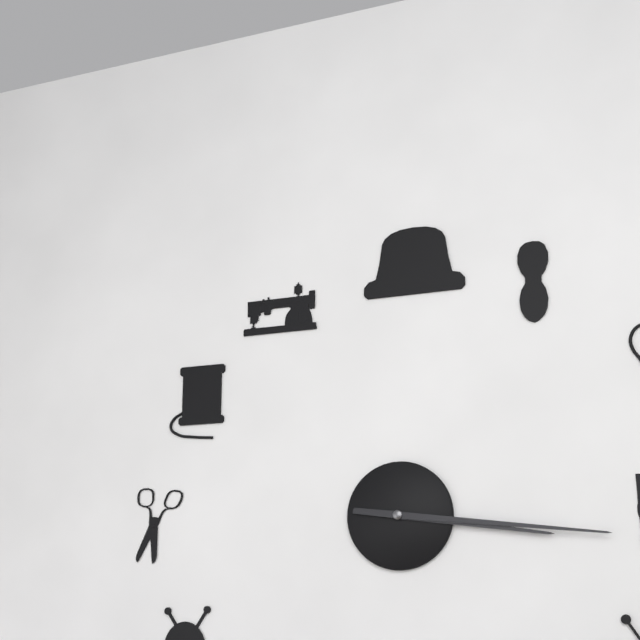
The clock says 3:16
